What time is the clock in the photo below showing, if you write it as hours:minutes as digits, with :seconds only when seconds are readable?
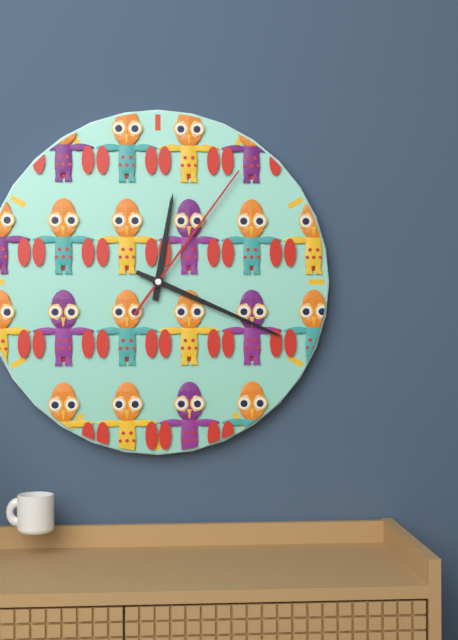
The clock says 12:19:06
